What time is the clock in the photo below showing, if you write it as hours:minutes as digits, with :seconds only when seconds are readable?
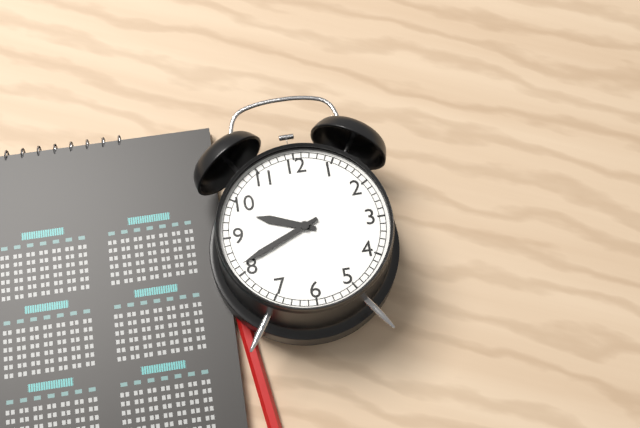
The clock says 9:41
